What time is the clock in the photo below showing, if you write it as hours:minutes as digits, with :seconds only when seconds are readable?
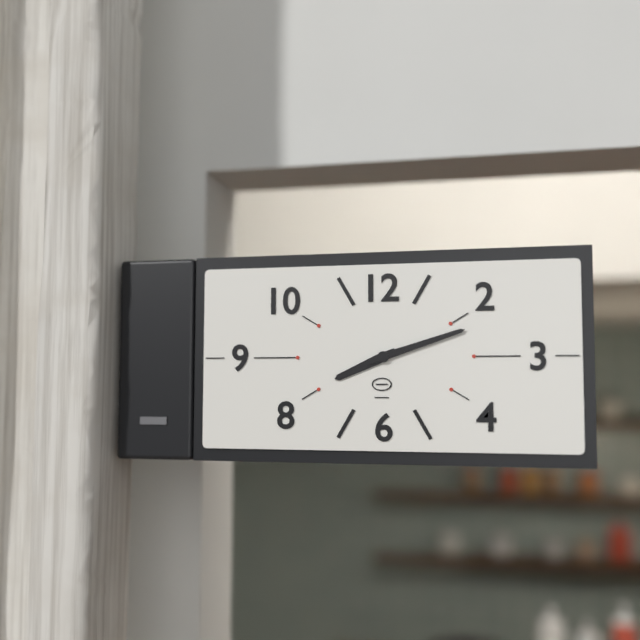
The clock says 8:12
